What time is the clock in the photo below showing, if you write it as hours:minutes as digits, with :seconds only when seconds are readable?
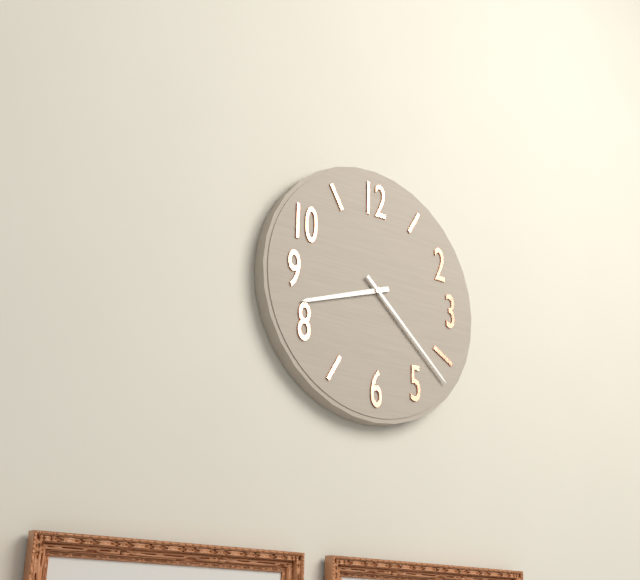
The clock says 8:22
